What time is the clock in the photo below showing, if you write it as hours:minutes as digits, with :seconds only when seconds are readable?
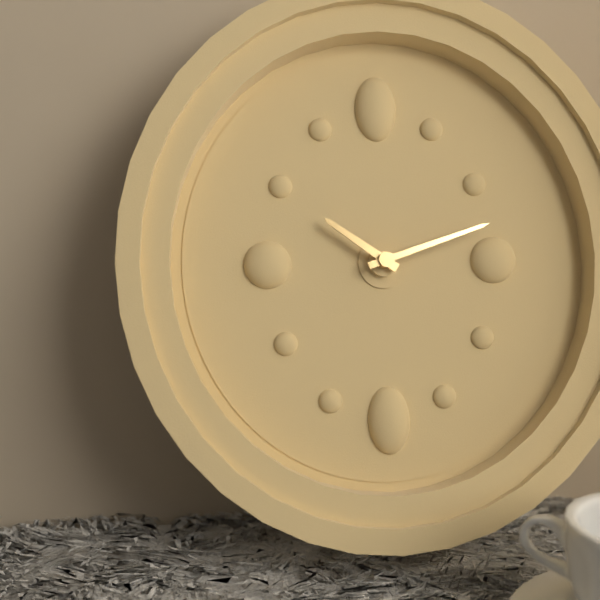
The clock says 10:12
